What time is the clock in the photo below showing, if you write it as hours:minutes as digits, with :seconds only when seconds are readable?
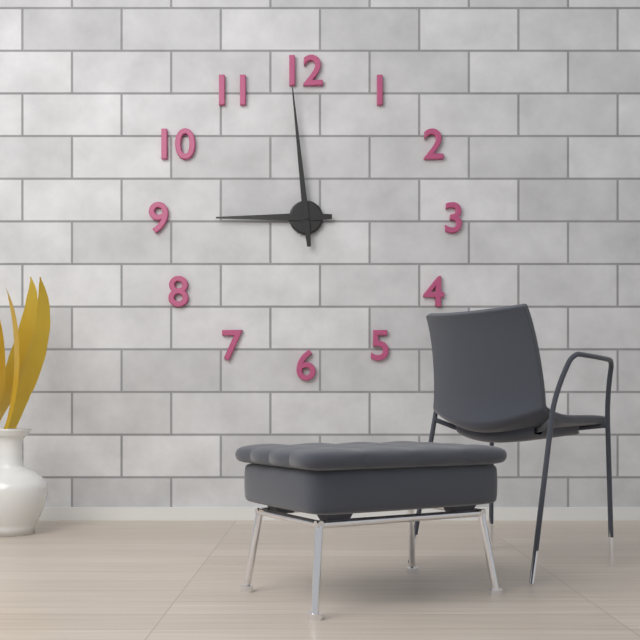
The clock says 8:59
